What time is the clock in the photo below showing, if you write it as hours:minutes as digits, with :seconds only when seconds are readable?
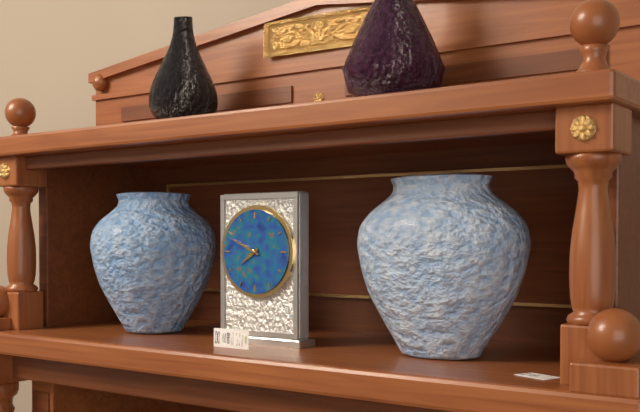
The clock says 7:49
